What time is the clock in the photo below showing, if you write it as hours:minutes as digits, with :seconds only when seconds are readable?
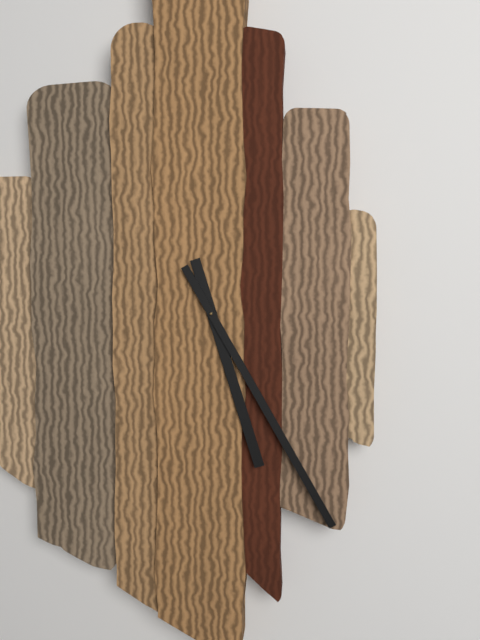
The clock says 5:25
